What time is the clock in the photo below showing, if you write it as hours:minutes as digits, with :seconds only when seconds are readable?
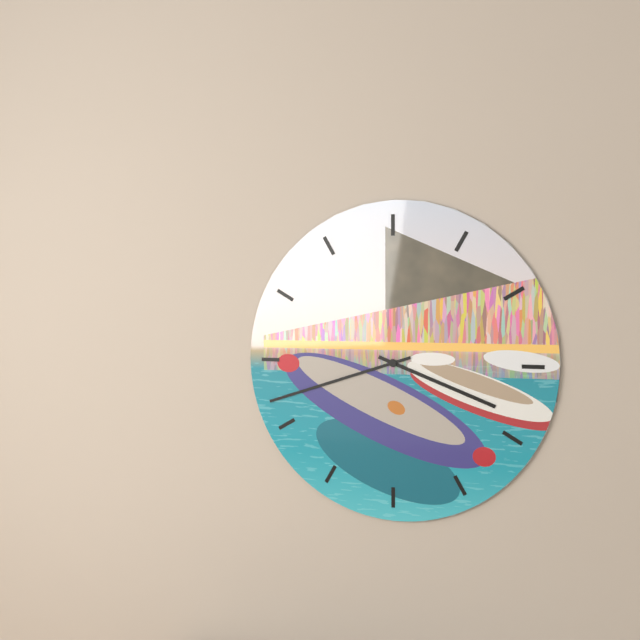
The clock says 3:42
